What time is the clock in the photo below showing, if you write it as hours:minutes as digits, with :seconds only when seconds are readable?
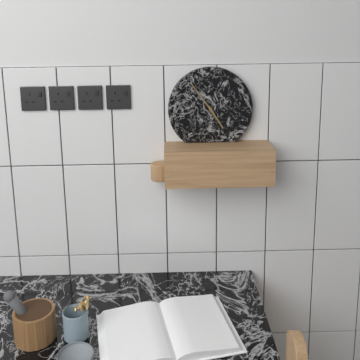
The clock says 4:54
